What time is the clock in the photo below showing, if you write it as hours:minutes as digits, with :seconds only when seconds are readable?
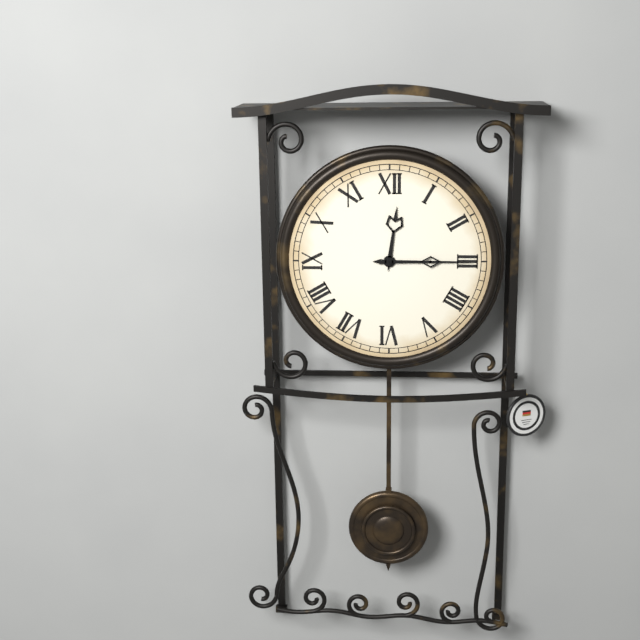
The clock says 12:15
